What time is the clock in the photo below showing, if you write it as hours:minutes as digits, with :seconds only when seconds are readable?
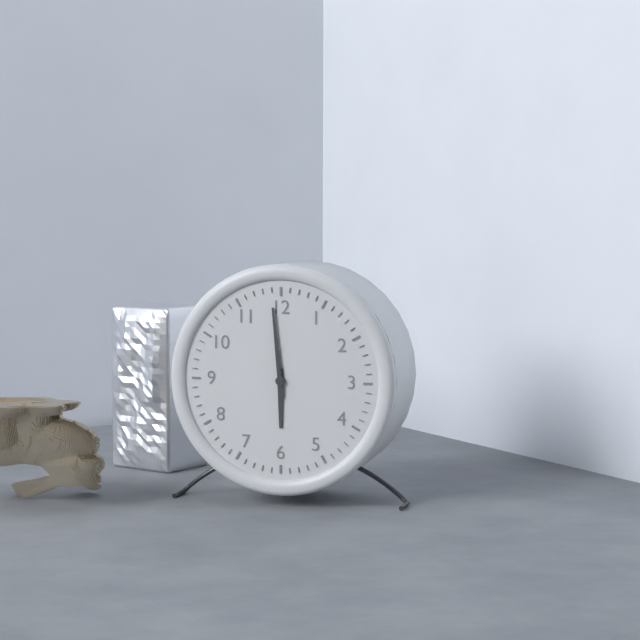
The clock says 5:59
